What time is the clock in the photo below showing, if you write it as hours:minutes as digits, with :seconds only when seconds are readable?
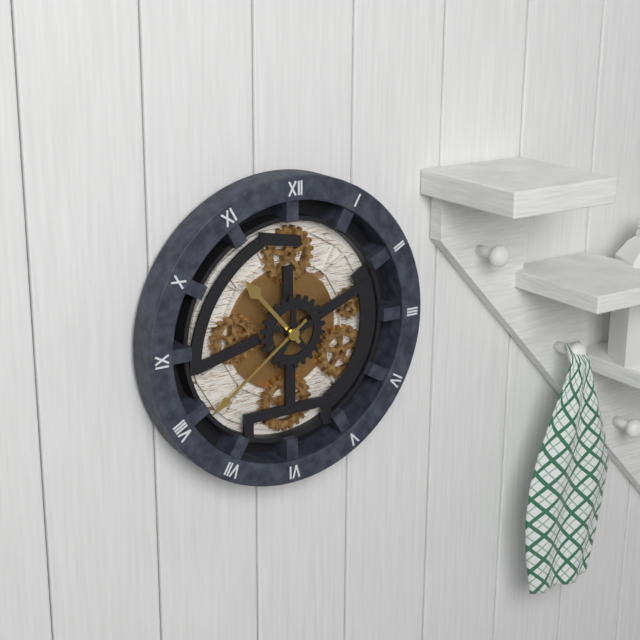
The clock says 10:39
